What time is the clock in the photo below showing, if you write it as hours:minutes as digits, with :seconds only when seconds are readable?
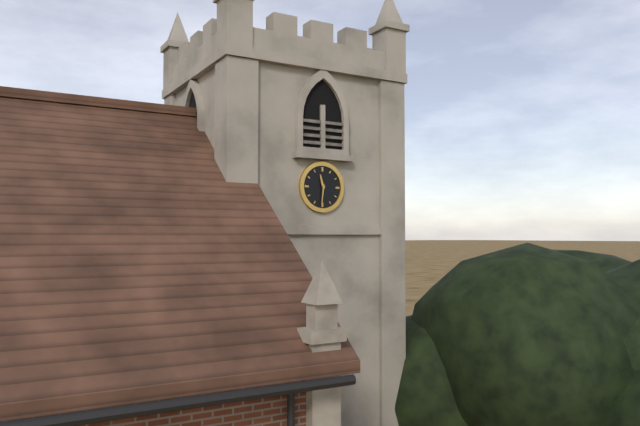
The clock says 11:31
